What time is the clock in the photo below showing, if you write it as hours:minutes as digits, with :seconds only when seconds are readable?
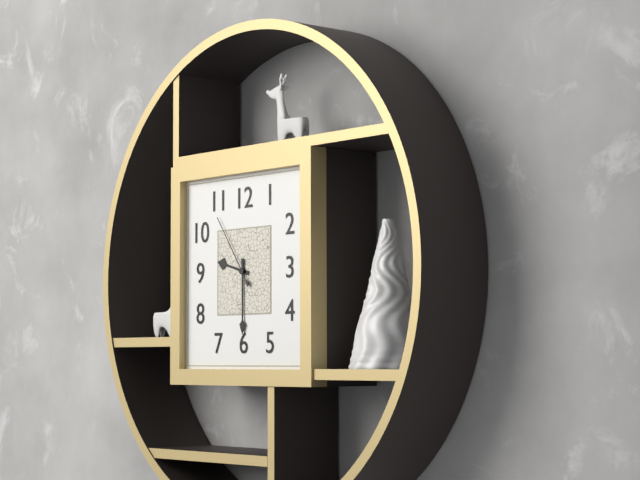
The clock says 9:30:54
